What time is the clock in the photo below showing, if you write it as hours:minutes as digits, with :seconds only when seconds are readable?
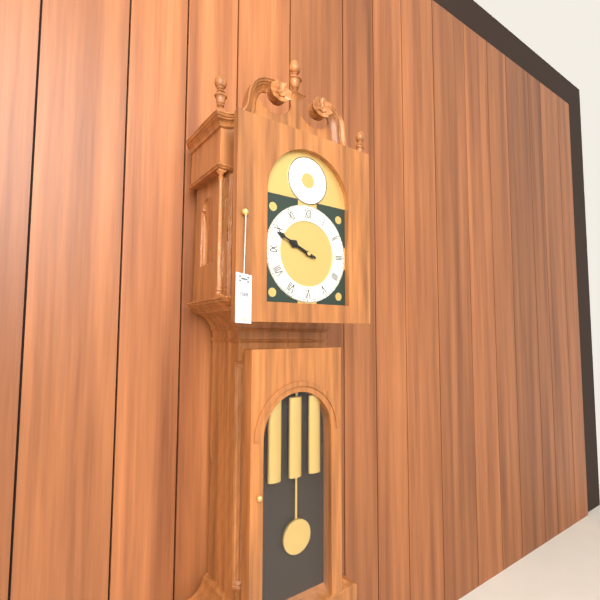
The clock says 9:49
